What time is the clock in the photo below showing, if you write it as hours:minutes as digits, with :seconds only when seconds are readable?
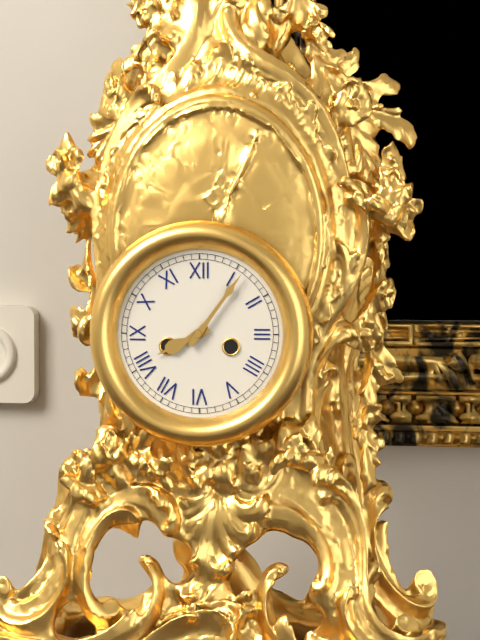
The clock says 8:06
